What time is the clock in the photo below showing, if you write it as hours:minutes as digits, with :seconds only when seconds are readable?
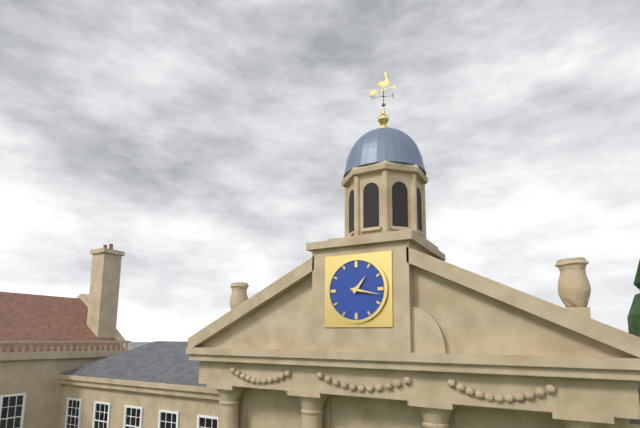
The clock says 1:17
